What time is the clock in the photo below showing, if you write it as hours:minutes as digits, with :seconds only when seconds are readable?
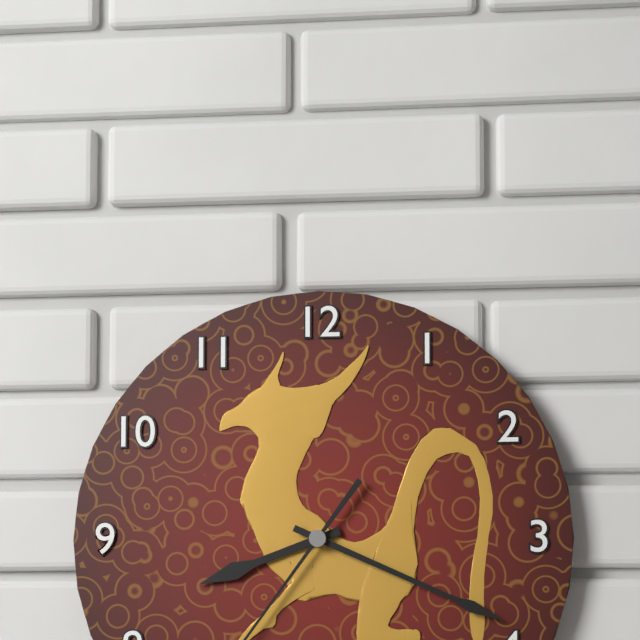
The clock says 8:19
